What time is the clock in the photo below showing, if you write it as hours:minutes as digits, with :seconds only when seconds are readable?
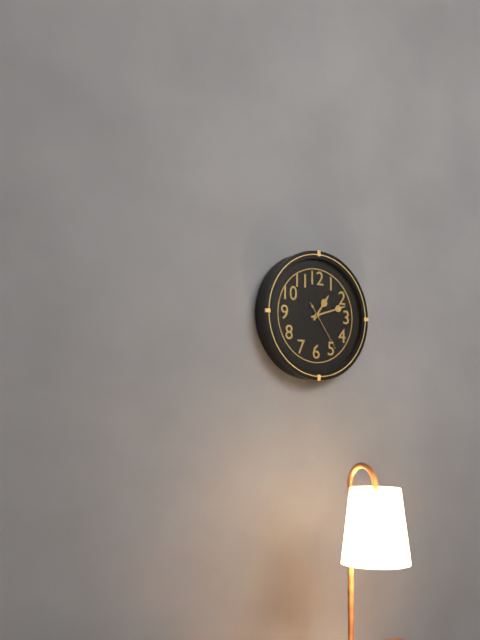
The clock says 1:12:24
